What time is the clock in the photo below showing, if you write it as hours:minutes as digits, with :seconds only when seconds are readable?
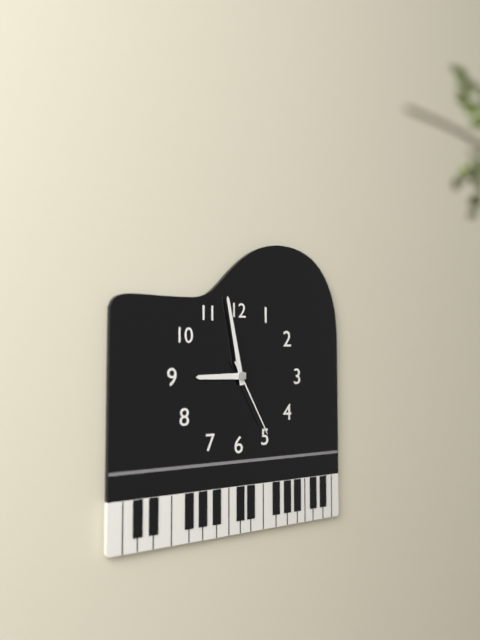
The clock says 8:58:25
